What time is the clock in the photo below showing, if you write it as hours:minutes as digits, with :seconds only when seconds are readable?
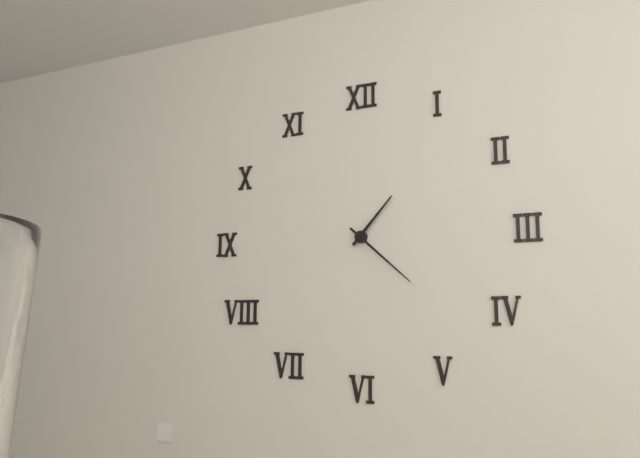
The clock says 1:22
